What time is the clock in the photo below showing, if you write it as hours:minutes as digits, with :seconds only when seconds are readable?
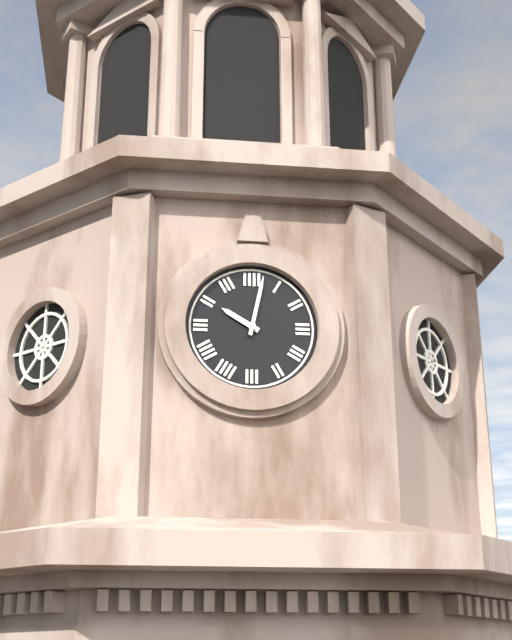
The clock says 10:02
